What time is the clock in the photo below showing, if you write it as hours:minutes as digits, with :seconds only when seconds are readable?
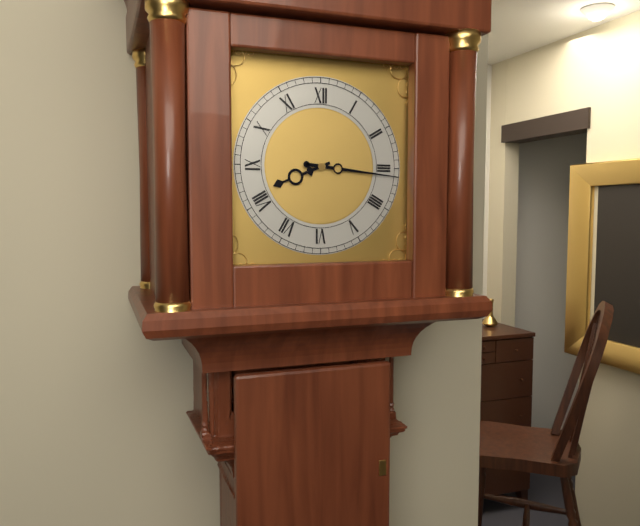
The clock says 8:16
